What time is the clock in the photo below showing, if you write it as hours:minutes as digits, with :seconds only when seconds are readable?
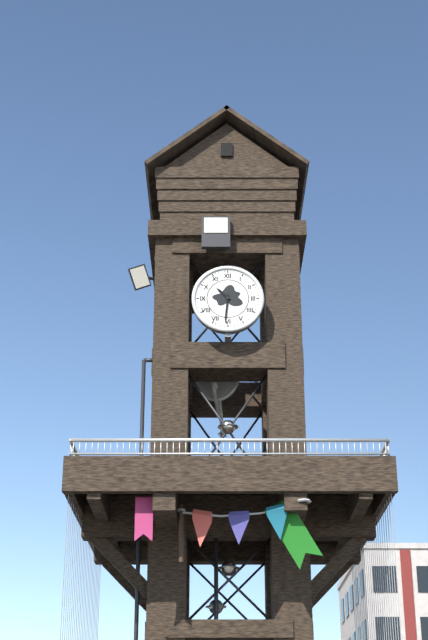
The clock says 10:31
